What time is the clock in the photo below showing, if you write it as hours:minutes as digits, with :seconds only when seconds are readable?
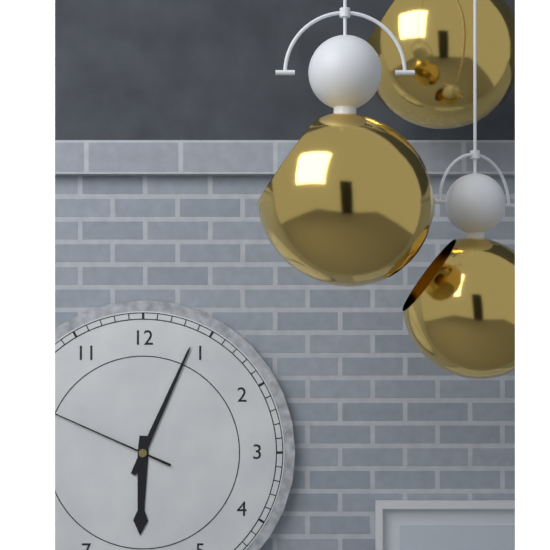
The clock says 6:04:49
